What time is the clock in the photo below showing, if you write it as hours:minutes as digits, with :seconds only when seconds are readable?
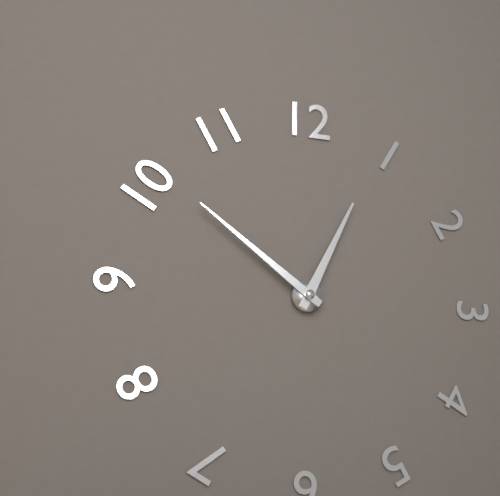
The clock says 12:51
